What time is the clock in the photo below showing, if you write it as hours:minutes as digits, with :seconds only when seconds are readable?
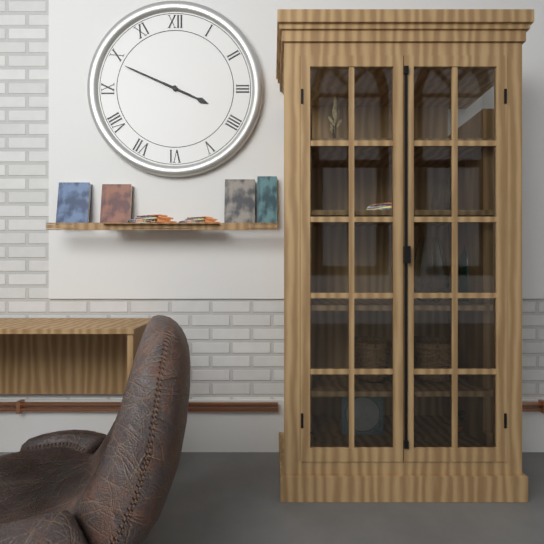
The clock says 3:49
